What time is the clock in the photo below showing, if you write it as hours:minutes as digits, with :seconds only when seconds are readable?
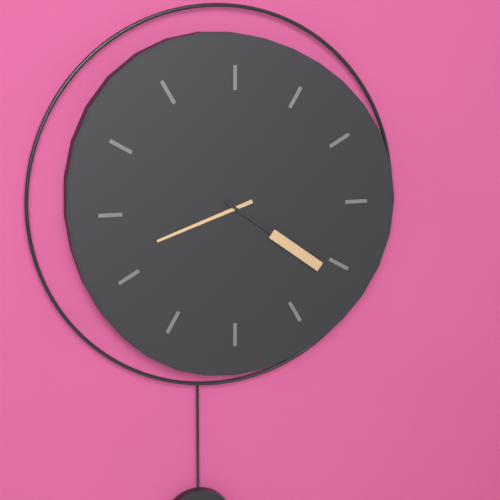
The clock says 8:21
